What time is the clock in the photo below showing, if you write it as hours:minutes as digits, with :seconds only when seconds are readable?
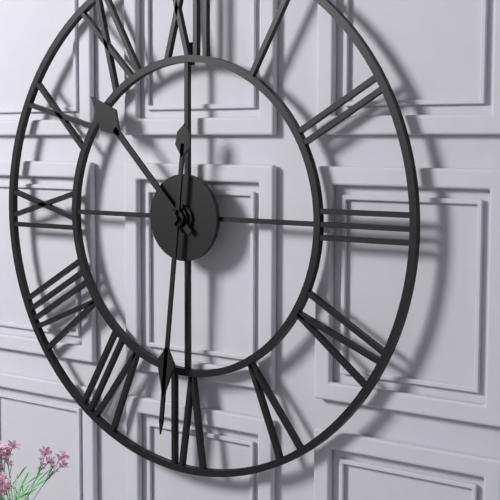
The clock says 10:31
